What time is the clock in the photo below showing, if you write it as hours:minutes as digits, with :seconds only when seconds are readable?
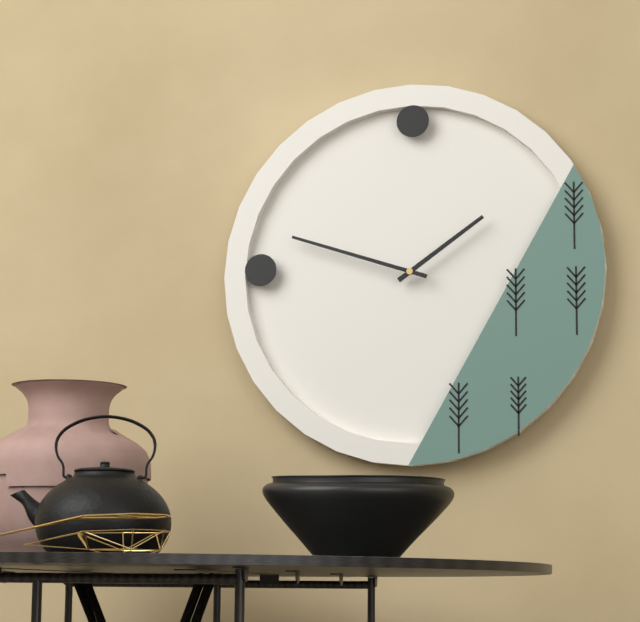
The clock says 1:48
